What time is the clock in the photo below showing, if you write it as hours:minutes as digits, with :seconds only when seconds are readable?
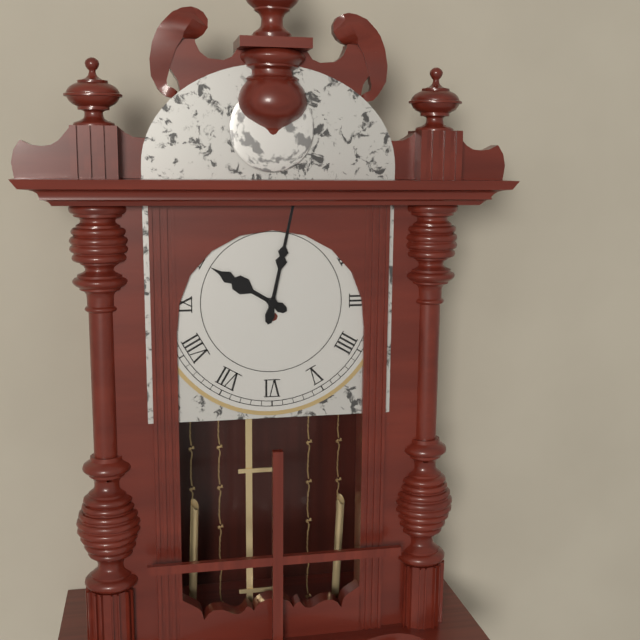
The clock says 10:02
